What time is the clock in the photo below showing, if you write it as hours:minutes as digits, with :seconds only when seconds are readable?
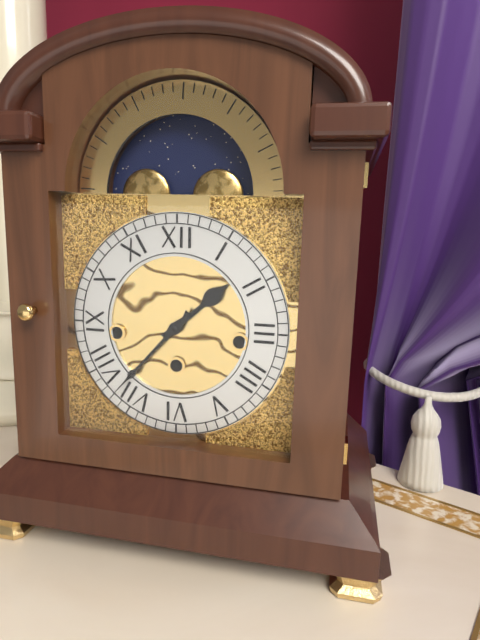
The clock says 1:37
